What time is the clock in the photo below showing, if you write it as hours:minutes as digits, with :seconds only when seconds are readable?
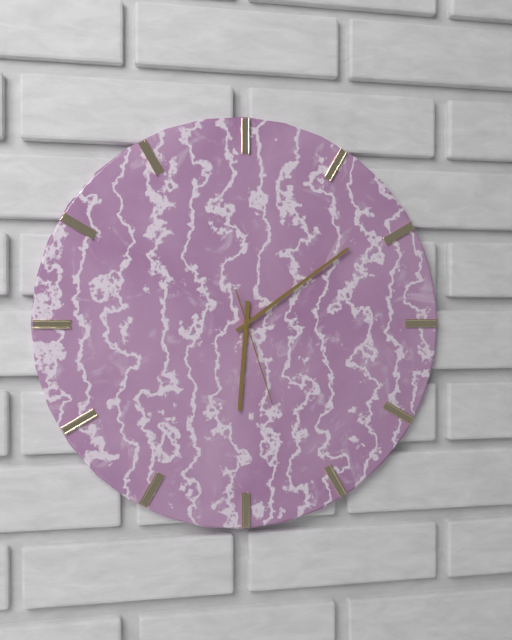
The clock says 6:09:27
